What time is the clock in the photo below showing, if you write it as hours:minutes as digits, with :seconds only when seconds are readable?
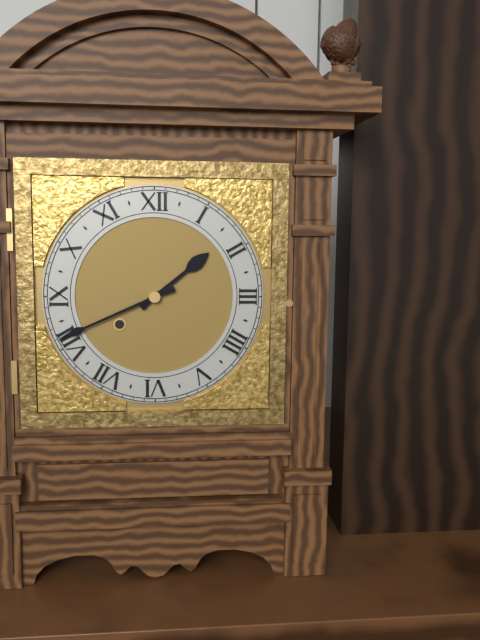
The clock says 1:41
